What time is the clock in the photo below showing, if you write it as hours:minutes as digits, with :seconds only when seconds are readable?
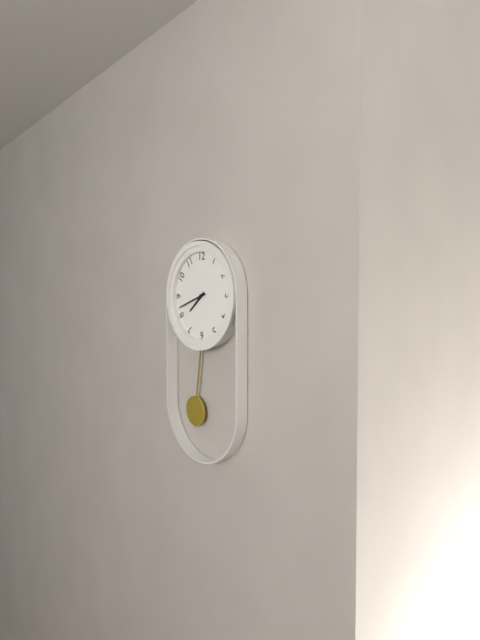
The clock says 7:42
